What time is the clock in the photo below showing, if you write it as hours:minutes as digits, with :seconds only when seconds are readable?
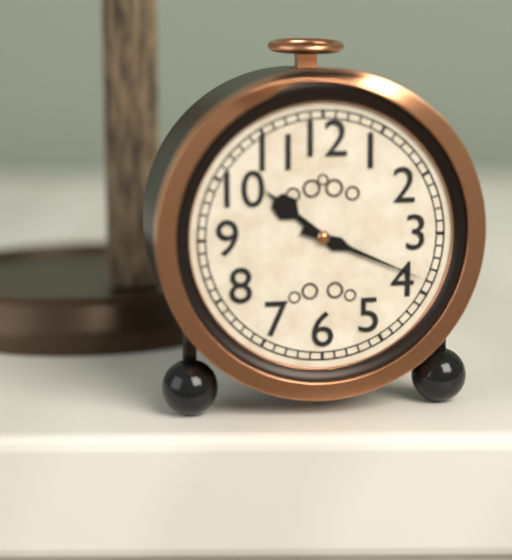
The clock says 10:19
